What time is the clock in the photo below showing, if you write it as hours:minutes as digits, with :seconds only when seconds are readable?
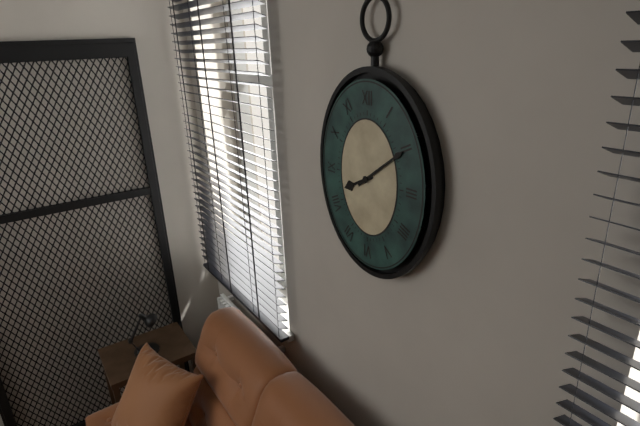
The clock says 8:09
